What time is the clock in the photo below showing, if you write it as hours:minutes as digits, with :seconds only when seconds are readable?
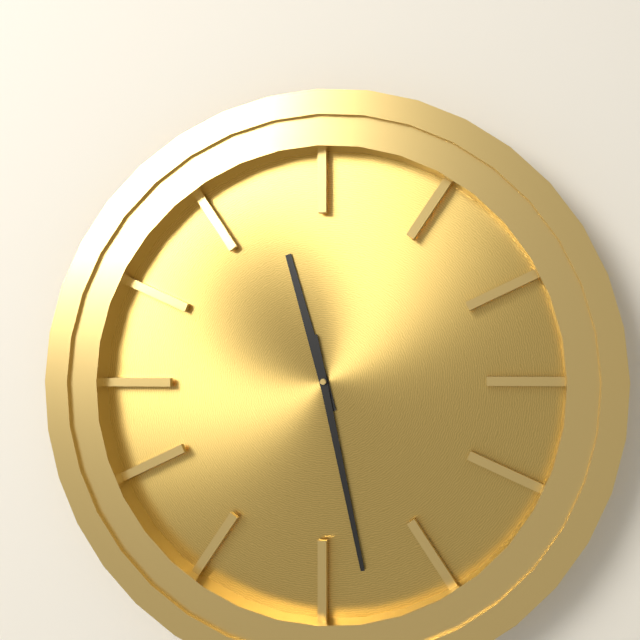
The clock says 11:28
